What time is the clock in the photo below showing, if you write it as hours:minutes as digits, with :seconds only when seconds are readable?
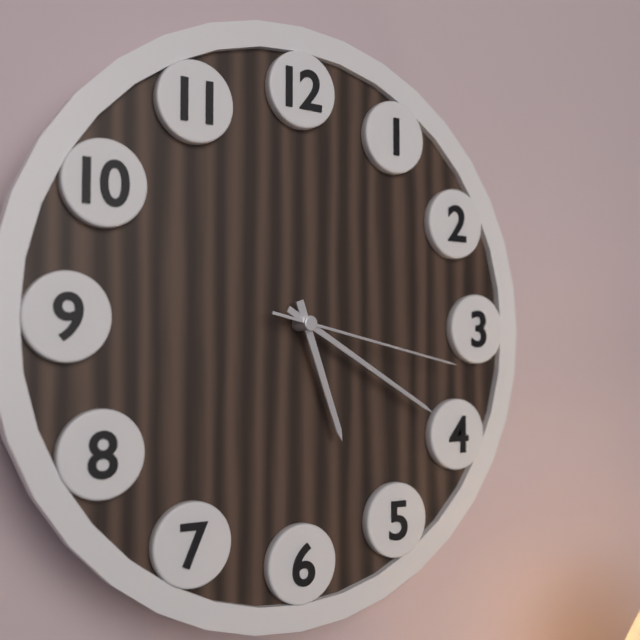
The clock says 5:20:17
